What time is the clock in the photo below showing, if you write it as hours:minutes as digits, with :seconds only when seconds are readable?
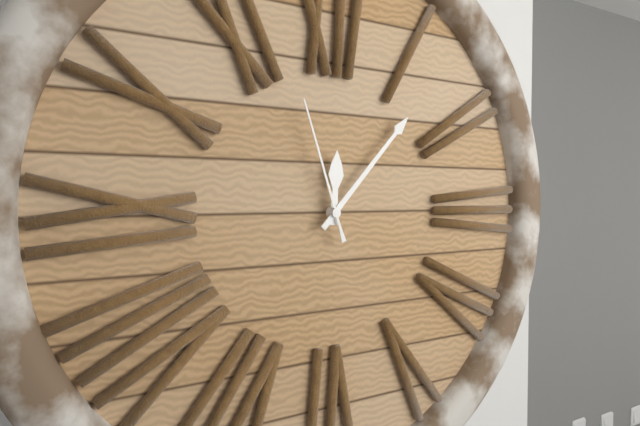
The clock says 12:07:57
